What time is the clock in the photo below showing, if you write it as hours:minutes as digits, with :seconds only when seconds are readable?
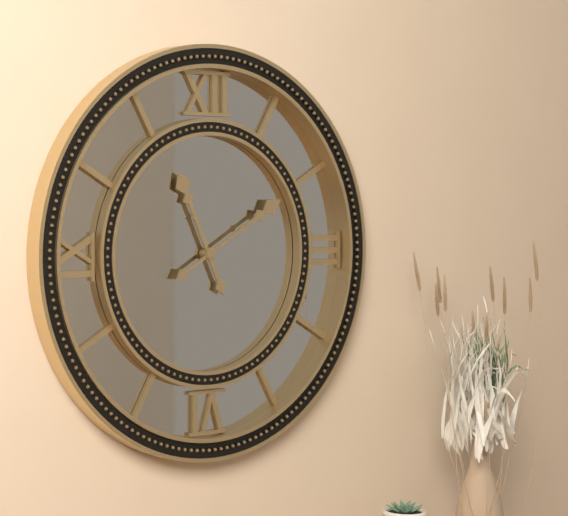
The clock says 11:10
